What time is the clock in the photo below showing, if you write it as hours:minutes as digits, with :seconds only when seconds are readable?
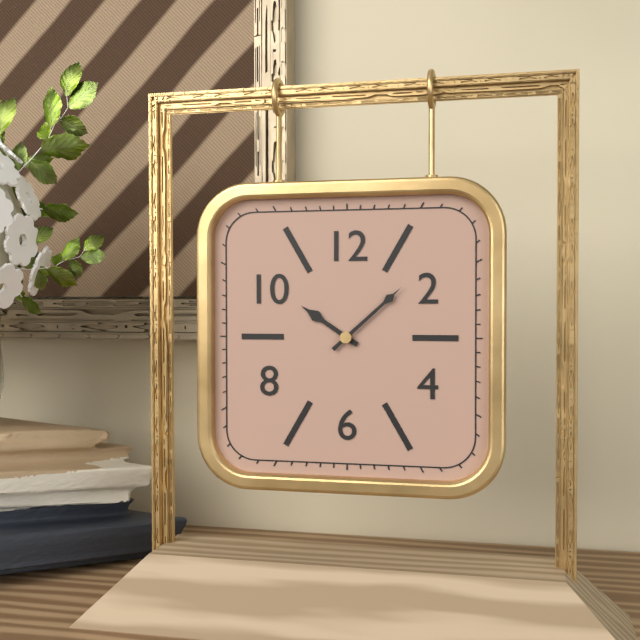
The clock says 10:08
